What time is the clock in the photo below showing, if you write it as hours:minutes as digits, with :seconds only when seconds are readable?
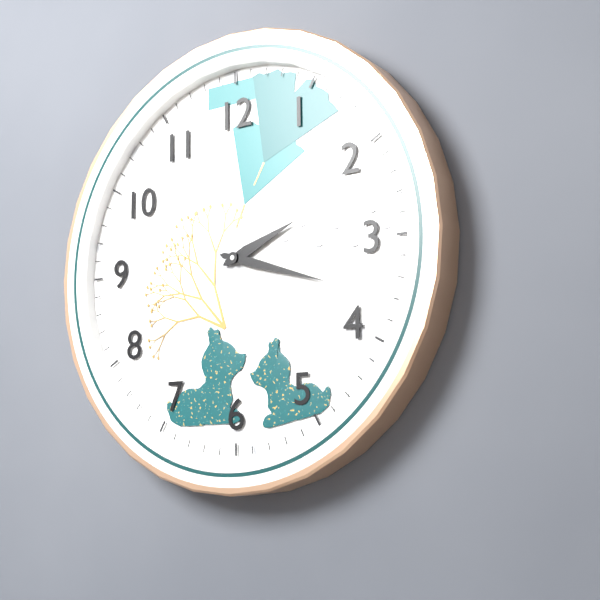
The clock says 2:18
